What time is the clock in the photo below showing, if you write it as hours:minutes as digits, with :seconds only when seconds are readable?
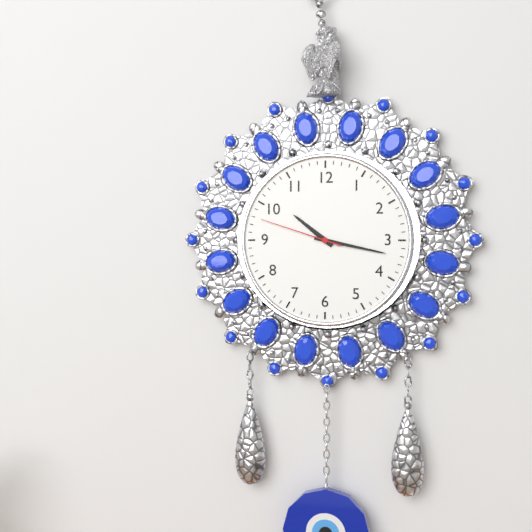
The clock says 10:17:48
